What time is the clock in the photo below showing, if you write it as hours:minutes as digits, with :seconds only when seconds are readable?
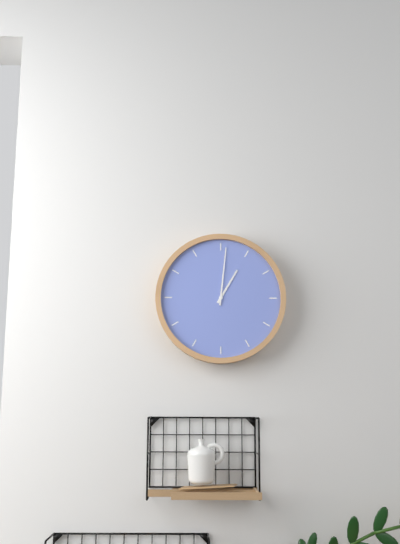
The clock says 1:01
